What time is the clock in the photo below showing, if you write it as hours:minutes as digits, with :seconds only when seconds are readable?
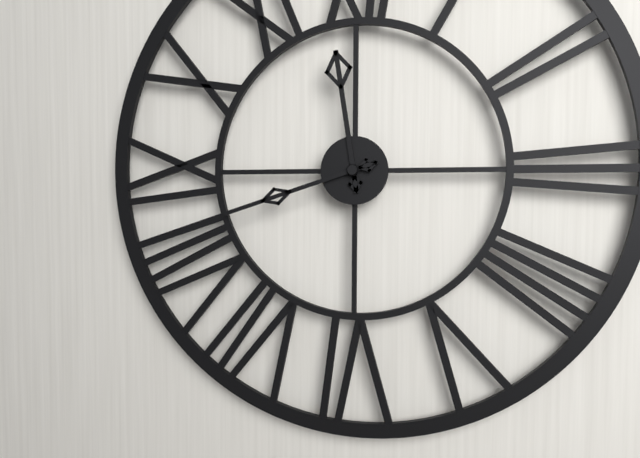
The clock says 11:42
